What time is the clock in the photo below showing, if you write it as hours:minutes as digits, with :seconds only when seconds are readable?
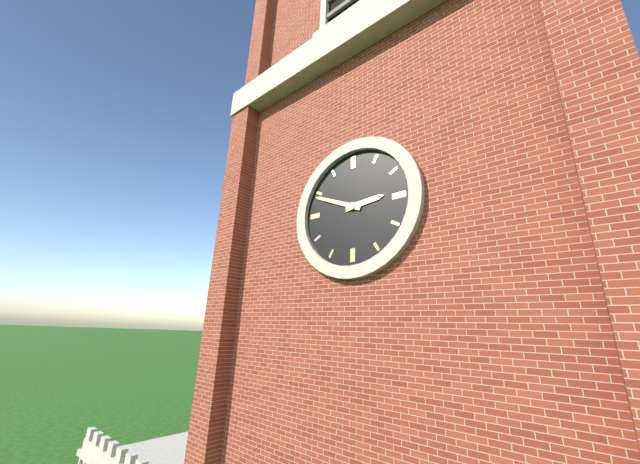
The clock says 2:49
